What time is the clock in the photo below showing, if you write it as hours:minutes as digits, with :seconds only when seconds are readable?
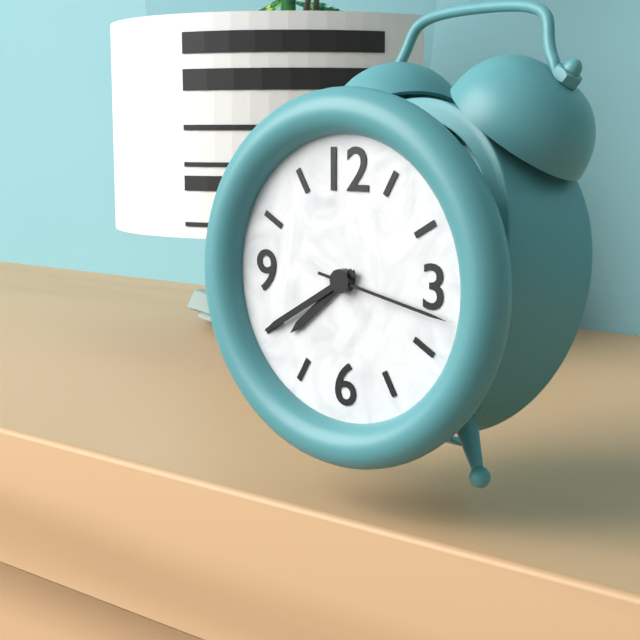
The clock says 7:40:17
